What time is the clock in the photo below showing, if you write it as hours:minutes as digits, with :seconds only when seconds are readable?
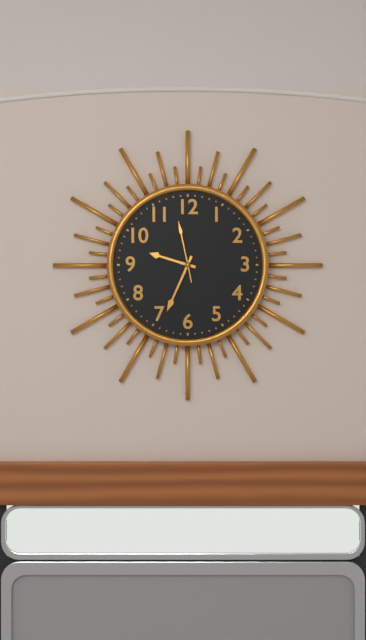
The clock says 9:34:58
